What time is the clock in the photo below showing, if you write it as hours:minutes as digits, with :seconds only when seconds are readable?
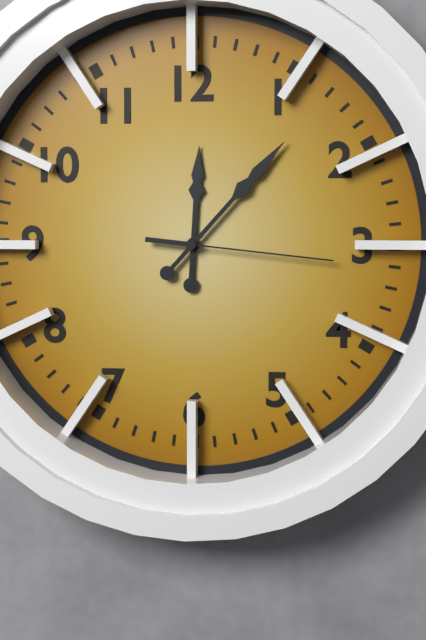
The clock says 12:07:16
